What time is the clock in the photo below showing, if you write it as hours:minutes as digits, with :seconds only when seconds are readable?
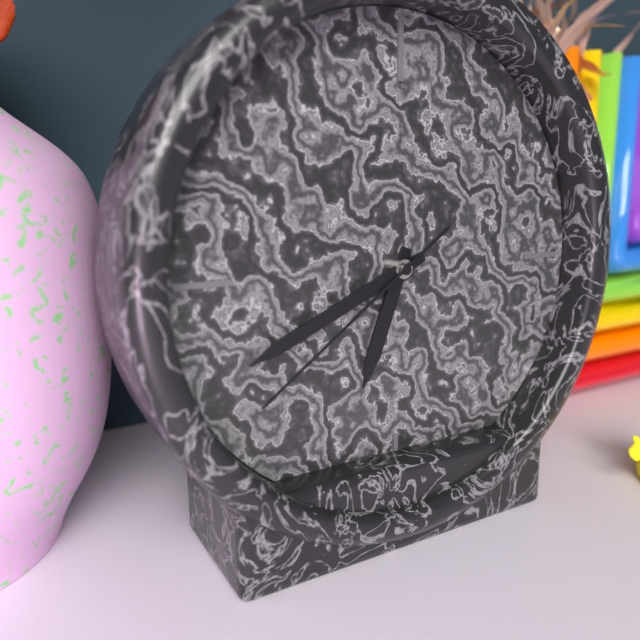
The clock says 6:41:39
